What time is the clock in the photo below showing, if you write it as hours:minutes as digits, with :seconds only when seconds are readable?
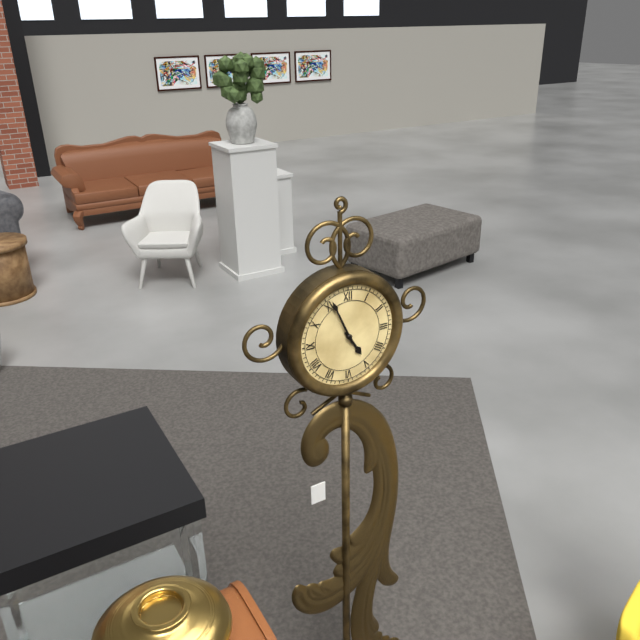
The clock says 4:56
